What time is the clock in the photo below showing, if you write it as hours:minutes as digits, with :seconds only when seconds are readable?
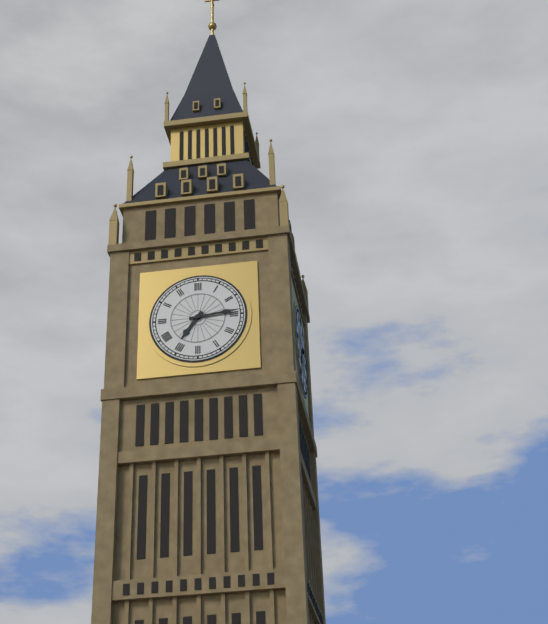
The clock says 7:14
